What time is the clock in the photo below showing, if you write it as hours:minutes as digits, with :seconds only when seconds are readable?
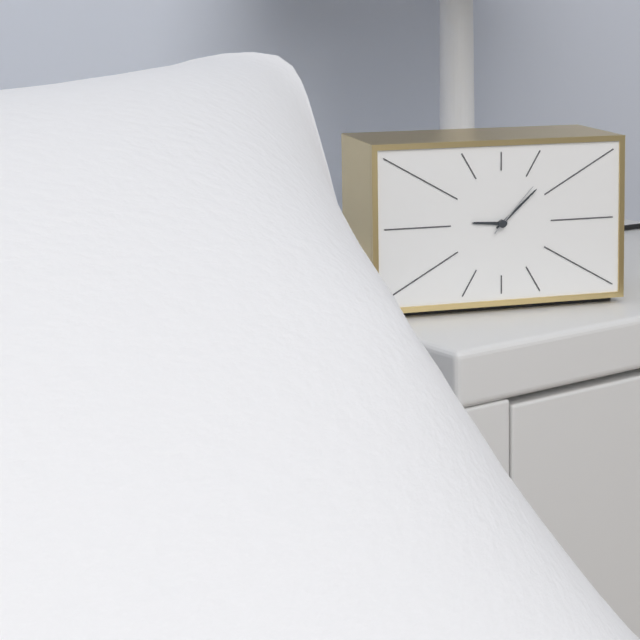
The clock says 9:08:07
